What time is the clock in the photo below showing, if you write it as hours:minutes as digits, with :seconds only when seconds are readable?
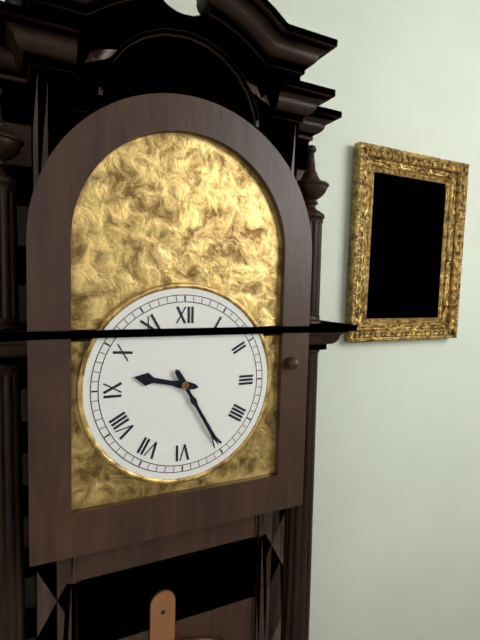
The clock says 9:25
